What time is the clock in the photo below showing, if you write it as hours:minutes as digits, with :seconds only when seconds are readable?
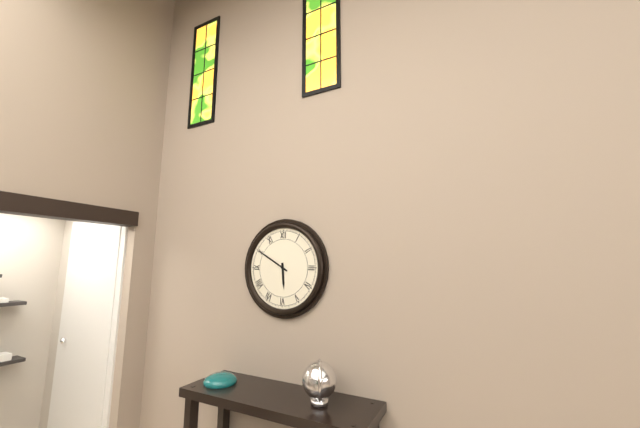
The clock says 5:50
